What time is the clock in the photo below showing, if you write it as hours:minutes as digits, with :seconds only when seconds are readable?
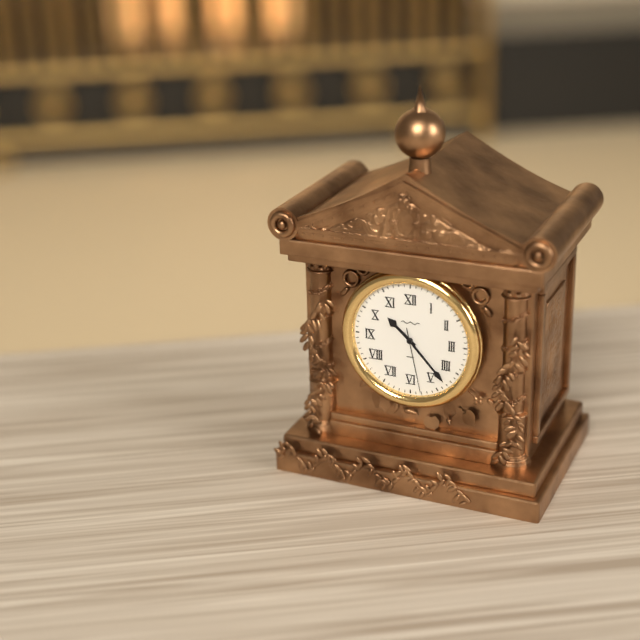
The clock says 10:23:28
